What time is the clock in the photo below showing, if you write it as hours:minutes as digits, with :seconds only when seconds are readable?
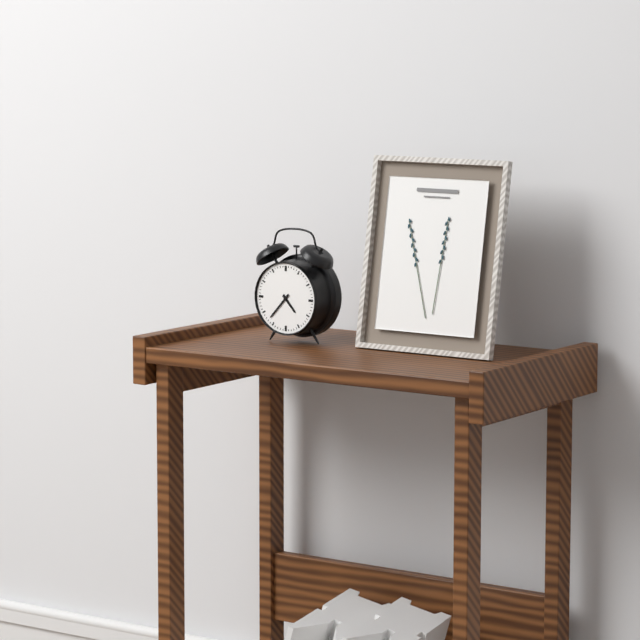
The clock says 4:37
